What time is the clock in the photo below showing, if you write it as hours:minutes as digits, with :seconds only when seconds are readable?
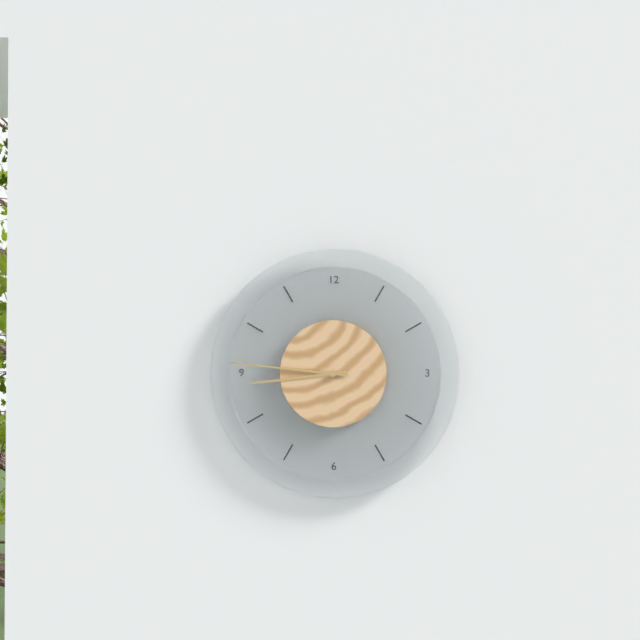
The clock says 8:46
